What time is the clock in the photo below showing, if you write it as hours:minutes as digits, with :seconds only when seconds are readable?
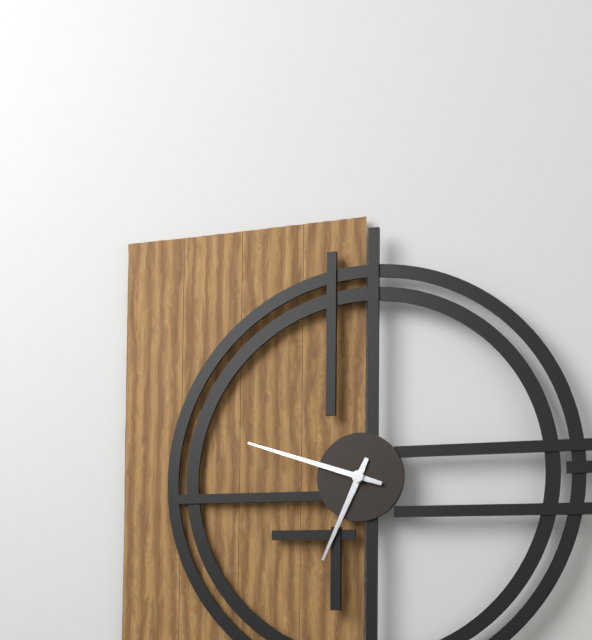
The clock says 6:48
